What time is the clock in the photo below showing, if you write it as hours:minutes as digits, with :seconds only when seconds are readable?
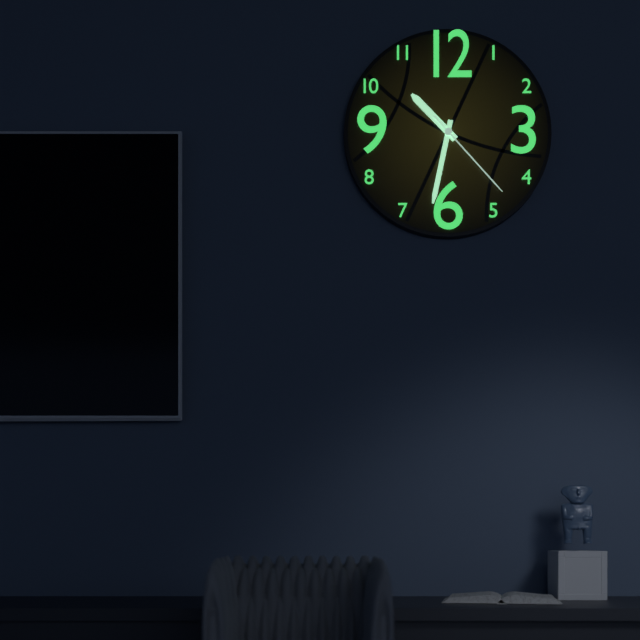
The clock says 10:32:23
